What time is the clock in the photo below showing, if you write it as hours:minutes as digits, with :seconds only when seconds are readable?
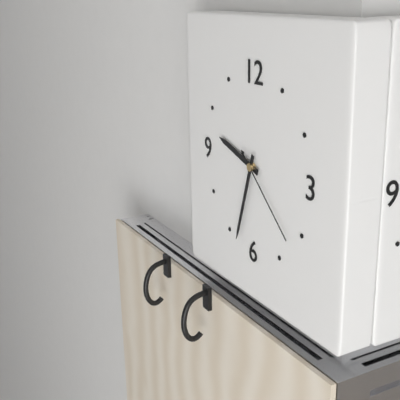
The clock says 9:33:22
